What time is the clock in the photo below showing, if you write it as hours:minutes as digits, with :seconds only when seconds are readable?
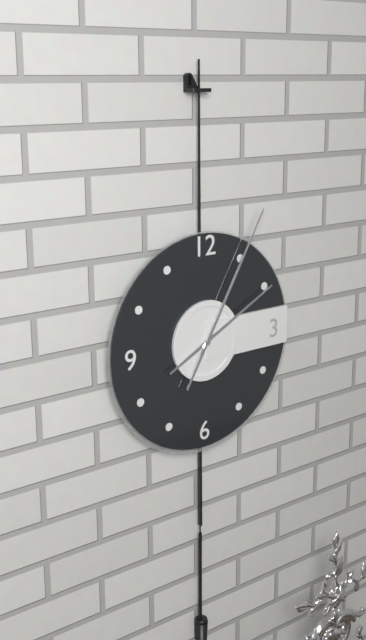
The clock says 2:05
